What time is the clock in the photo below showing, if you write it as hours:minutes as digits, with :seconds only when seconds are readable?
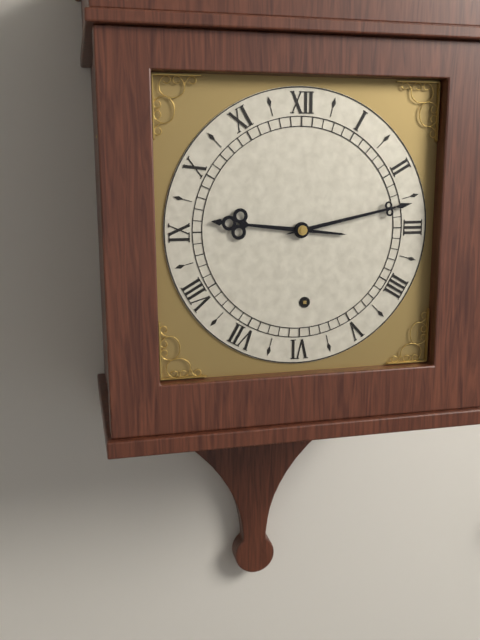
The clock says 9:13
